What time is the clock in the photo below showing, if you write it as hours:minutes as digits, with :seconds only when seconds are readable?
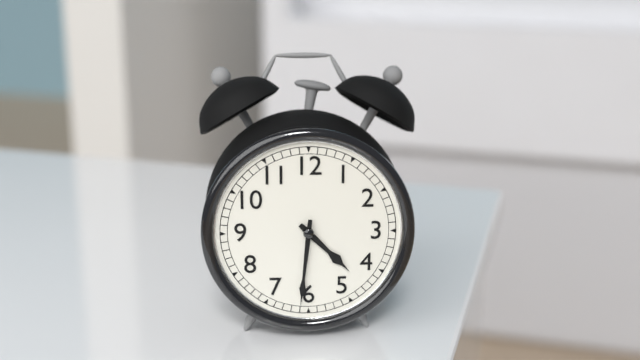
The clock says 4:31
